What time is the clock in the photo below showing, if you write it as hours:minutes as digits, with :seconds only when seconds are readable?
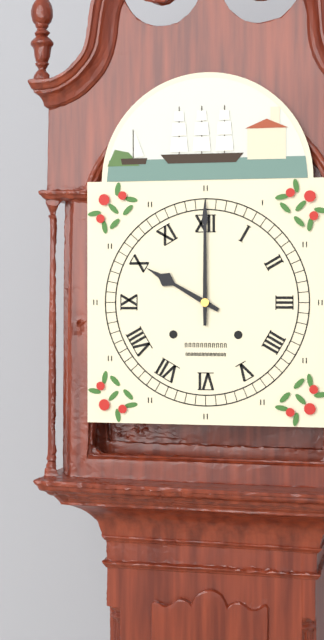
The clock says 10:00
